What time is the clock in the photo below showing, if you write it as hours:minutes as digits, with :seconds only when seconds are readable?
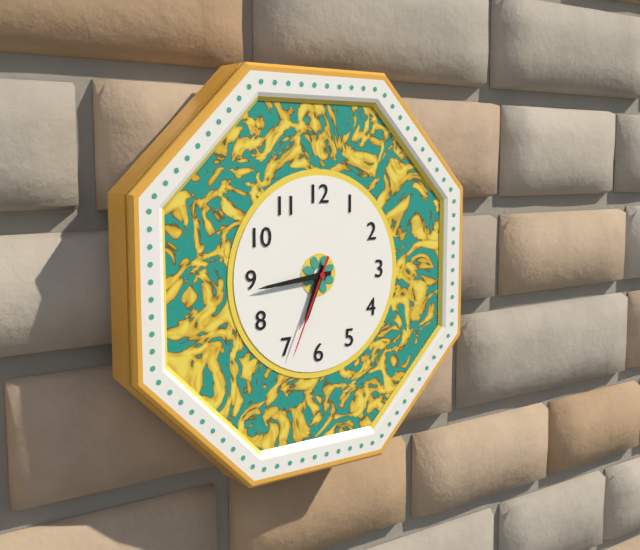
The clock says 6:44:34
